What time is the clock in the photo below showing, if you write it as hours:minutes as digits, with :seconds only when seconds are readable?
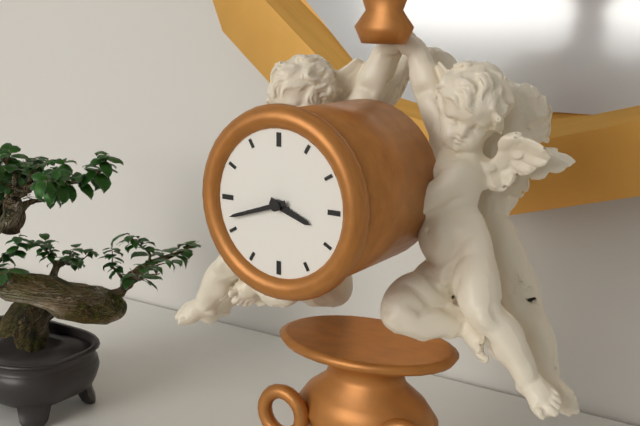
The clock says 3:42
